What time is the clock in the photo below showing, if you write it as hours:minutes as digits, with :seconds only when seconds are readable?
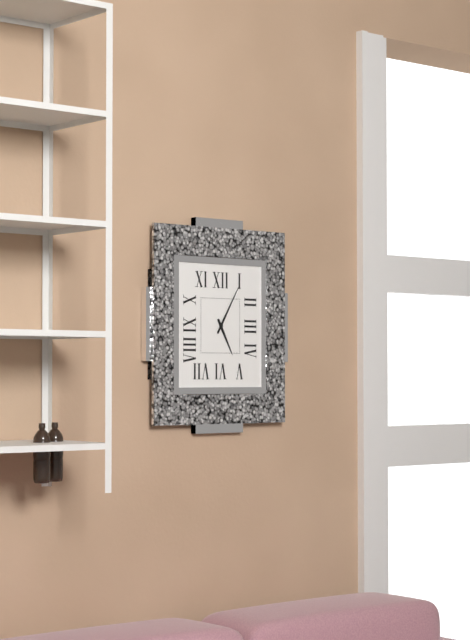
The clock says 5:05
